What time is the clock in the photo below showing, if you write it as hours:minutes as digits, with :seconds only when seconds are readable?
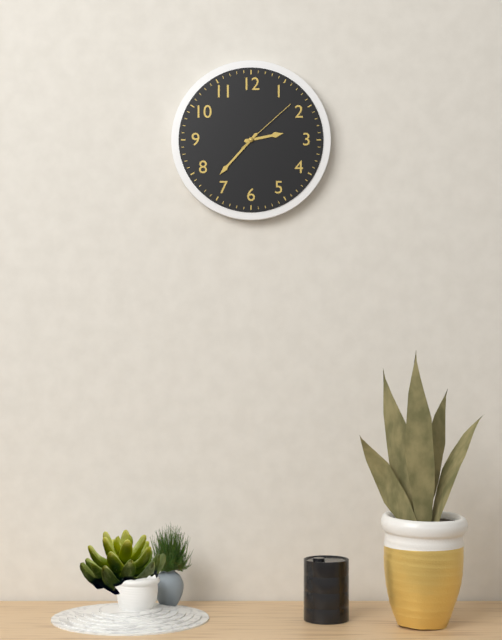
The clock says 2:37:08
